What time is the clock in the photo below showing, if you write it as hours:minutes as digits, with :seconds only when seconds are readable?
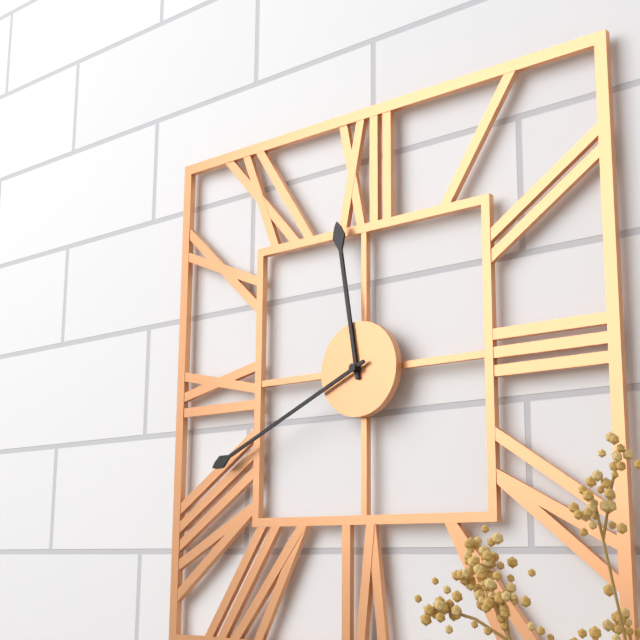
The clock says 11:41
